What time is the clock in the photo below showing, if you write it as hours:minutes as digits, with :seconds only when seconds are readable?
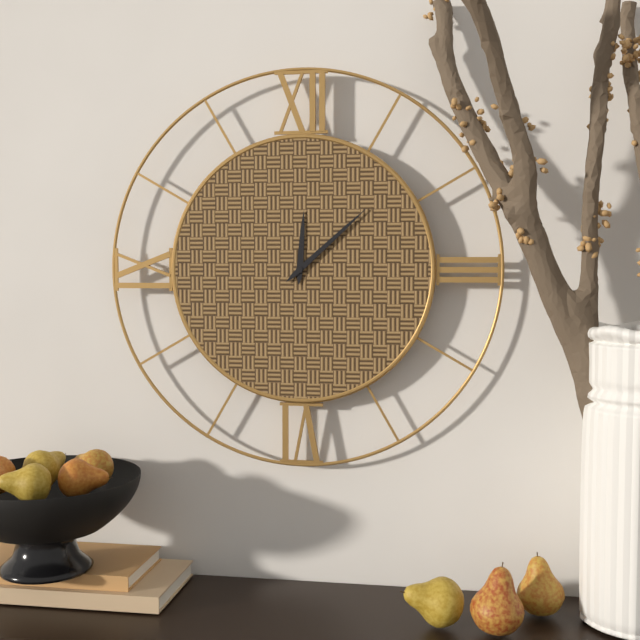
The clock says 12:08
